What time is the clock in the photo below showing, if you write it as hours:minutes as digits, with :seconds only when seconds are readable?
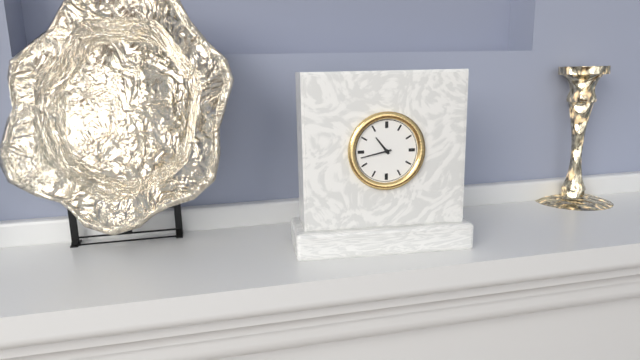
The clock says 10:43
